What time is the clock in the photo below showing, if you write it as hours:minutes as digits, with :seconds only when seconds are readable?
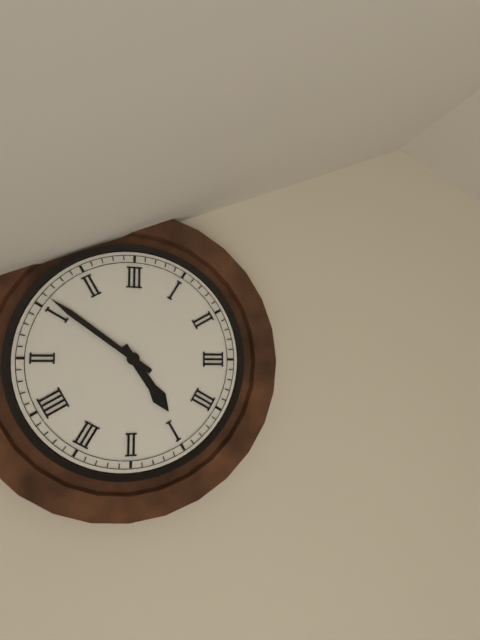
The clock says 4:51
